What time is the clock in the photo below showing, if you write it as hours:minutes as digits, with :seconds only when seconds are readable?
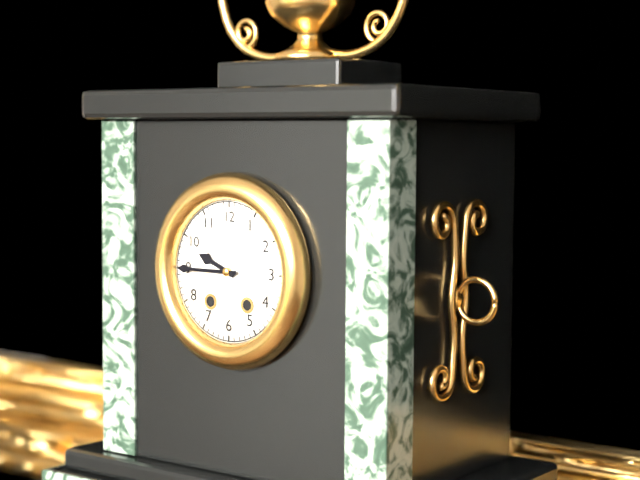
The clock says 9:45
